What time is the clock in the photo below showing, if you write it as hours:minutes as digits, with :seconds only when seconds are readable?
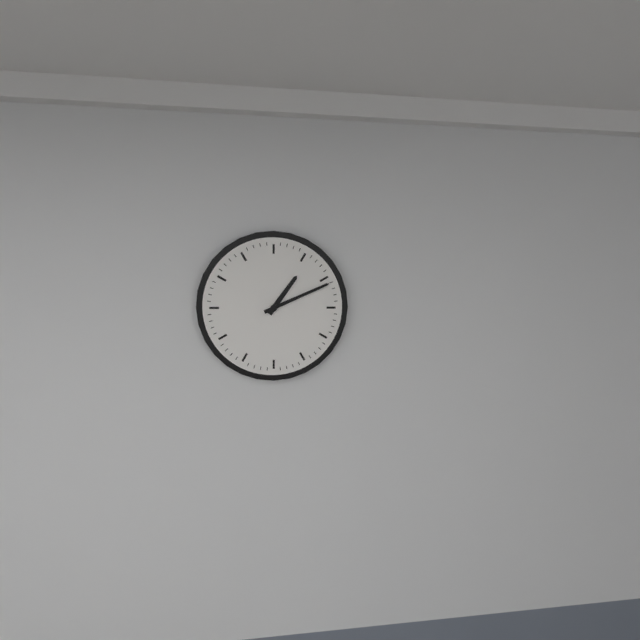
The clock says 1:11
